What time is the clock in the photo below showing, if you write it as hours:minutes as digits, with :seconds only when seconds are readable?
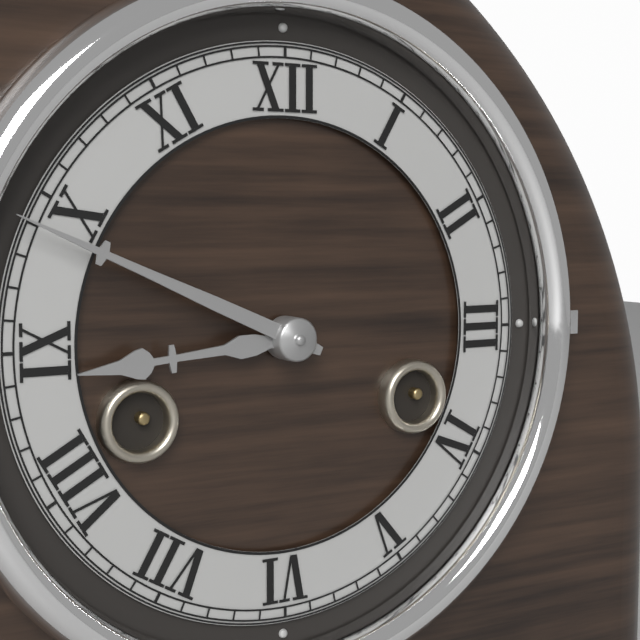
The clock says 8:49
